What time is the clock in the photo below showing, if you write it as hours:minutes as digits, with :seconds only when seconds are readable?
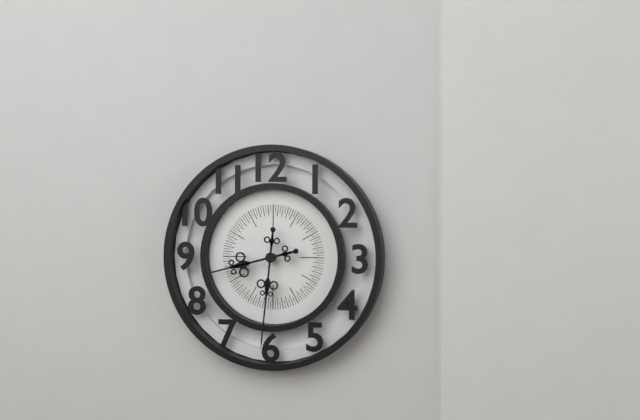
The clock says 8:31
